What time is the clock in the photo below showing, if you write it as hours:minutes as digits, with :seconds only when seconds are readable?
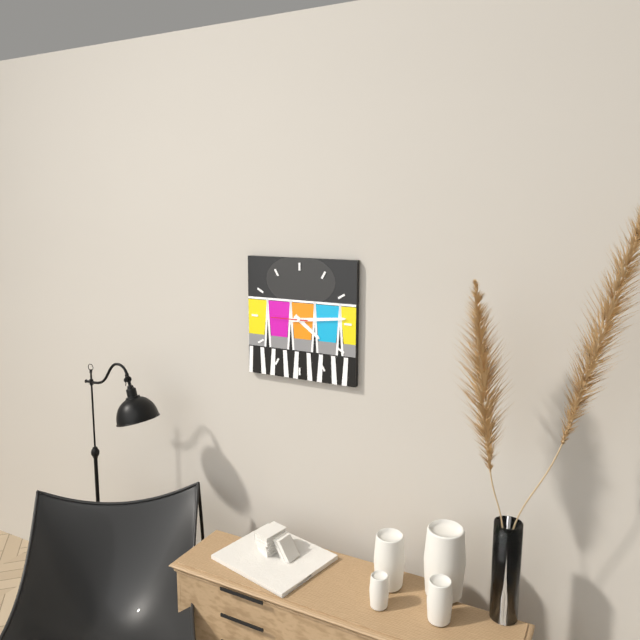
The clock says 4:14
